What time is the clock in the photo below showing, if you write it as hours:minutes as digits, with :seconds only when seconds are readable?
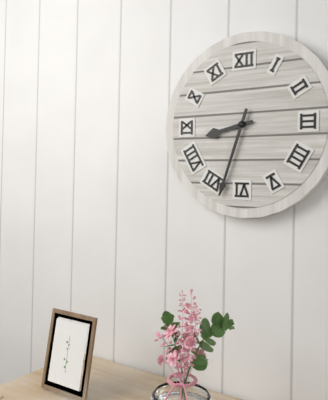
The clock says 8:33
